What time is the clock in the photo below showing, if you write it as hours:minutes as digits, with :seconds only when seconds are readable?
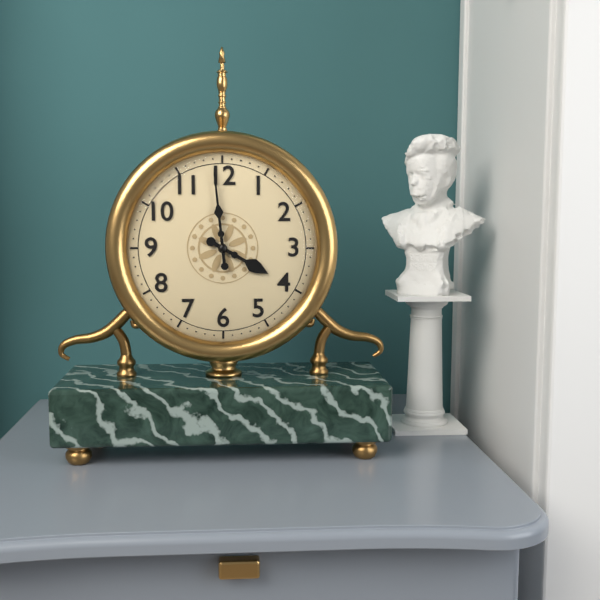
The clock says 3:59
